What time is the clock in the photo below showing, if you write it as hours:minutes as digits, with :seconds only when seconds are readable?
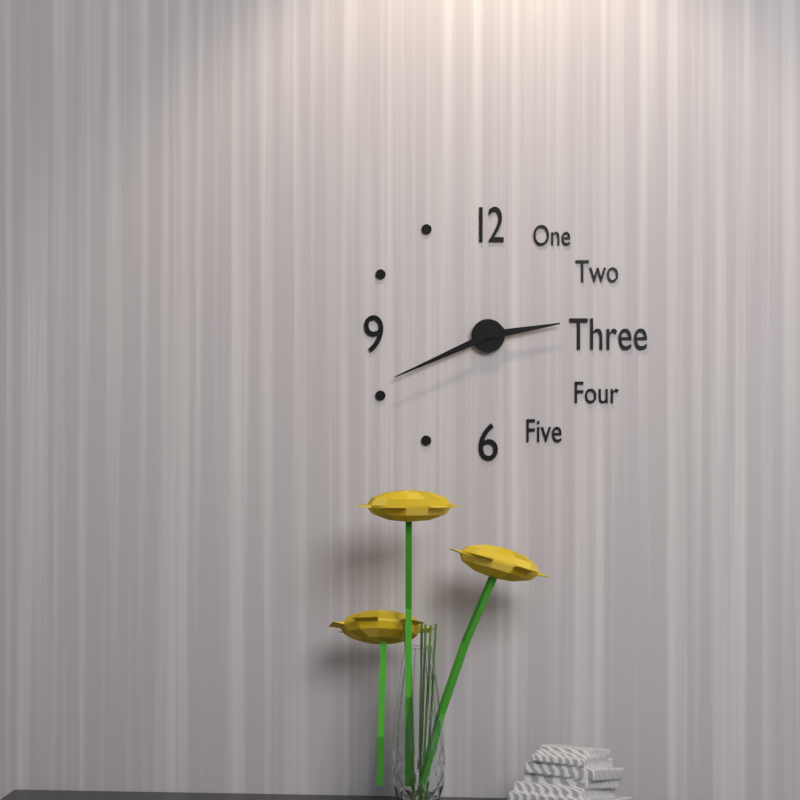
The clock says 2:41
